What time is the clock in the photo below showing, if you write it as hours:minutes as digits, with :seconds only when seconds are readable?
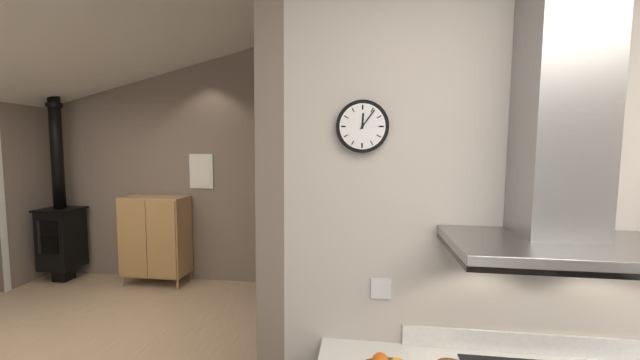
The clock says 12:06
